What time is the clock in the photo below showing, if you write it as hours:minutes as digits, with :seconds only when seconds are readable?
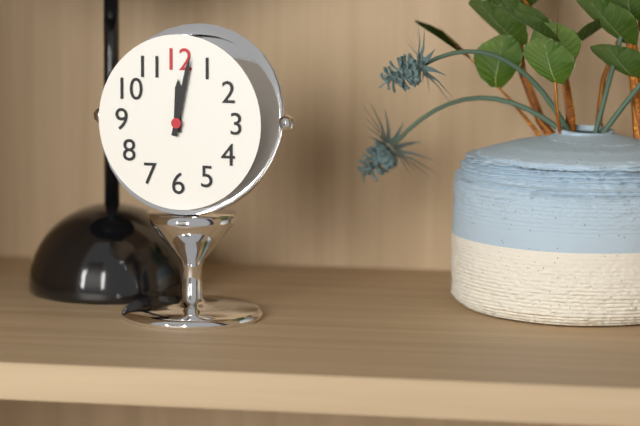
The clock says 12:02
